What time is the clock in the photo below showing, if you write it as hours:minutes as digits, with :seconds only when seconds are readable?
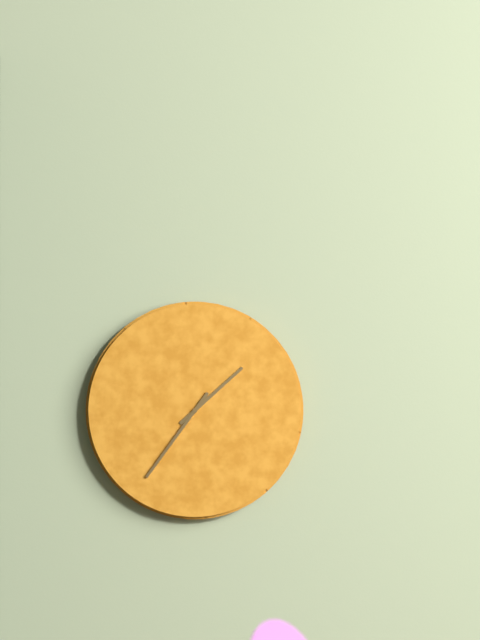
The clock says 1:36
